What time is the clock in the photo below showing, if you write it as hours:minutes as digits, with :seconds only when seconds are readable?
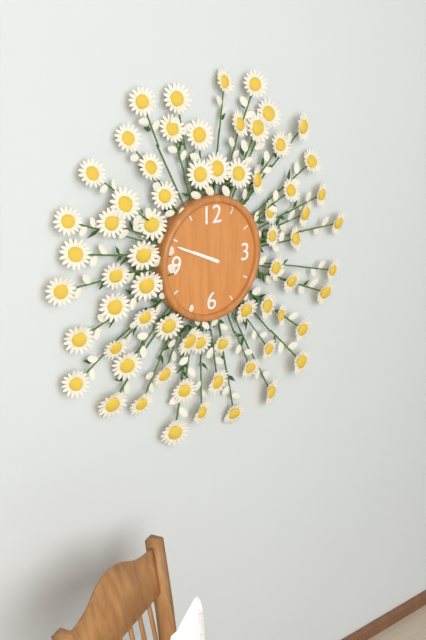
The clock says 9:49
